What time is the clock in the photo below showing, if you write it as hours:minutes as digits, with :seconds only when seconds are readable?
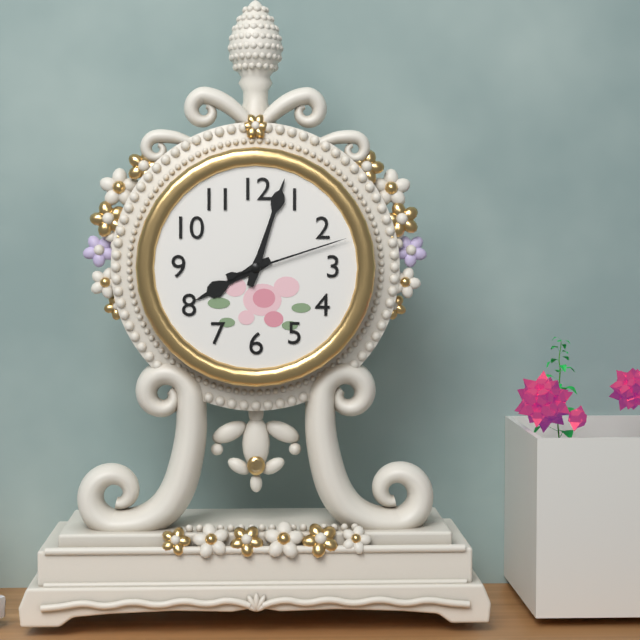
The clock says 8:03:12
